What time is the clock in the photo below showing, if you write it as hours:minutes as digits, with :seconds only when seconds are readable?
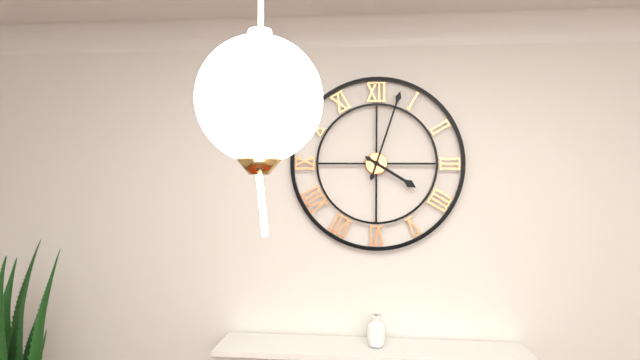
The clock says 4:03
